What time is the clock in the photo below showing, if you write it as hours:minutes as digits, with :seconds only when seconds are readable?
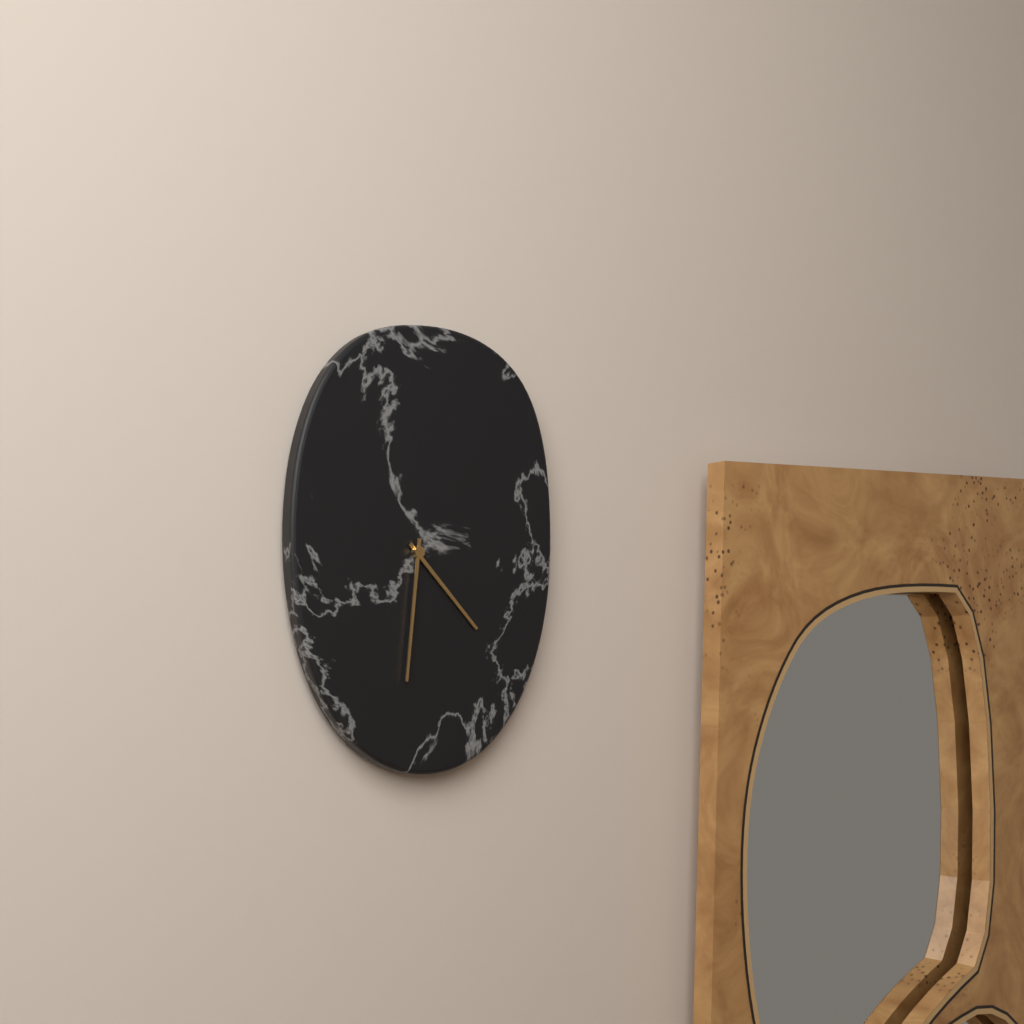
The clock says 4:31
